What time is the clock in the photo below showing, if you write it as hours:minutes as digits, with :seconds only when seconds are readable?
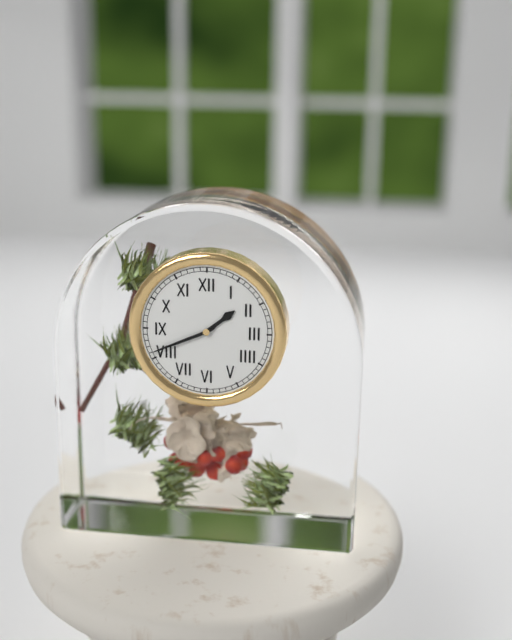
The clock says 1:41
